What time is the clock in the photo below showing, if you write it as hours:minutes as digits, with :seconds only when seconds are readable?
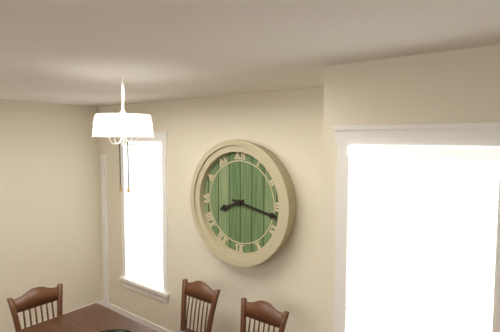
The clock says 8:17
